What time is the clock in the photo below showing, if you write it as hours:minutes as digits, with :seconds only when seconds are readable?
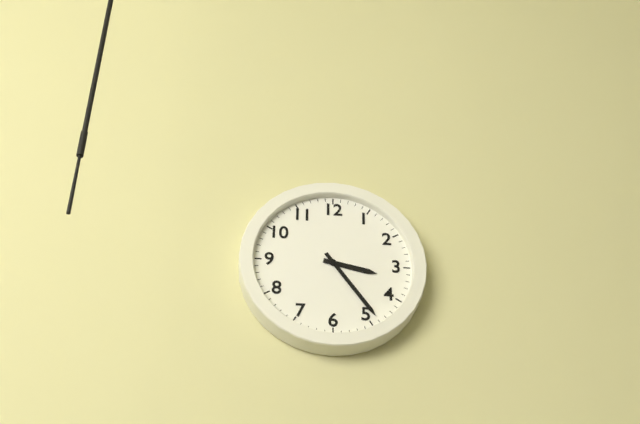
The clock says 3:24
